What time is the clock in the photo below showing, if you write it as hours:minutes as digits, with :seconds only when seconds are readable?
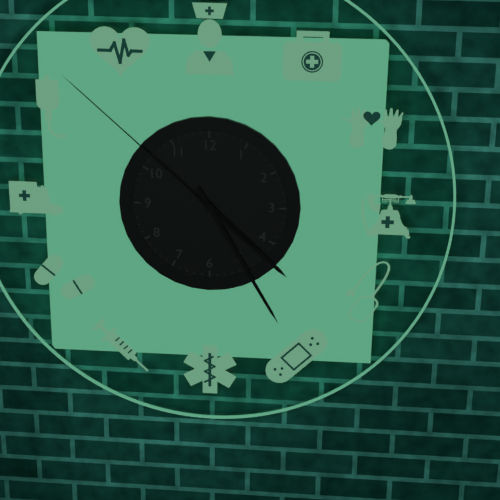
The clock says 4:25:52
